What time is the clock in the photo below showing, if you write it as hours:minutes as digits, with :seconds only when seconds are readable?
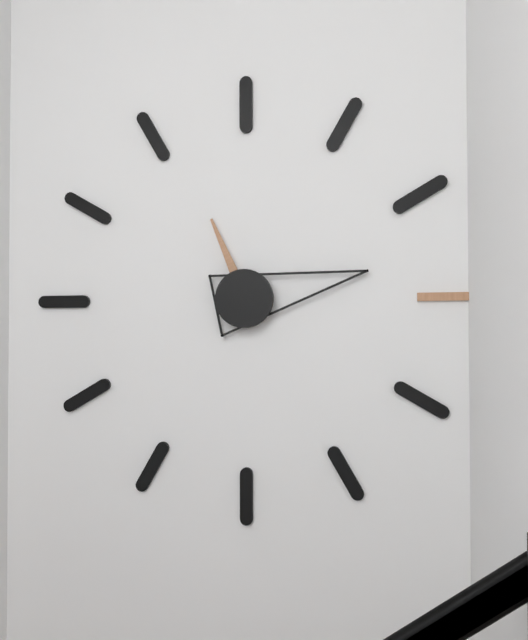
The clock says 11:13
